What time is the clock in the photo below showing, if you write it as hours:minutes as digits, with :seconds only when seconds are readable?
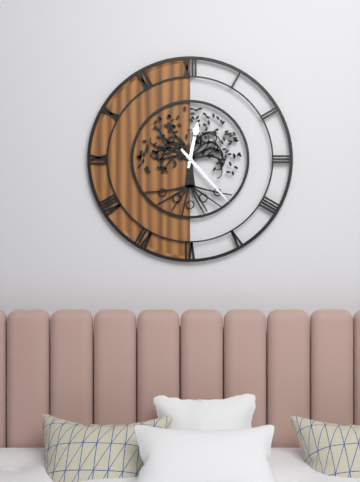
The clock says 12:23
